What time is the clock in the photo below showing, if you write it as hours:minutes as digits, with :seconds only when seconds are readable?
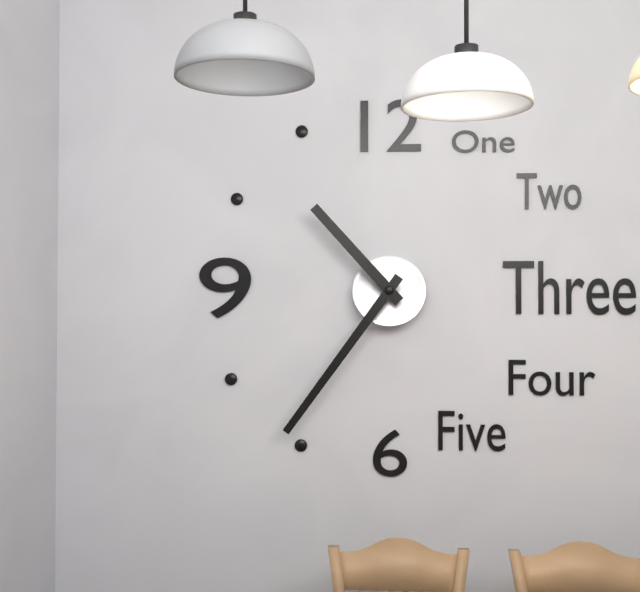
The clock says 10:36
